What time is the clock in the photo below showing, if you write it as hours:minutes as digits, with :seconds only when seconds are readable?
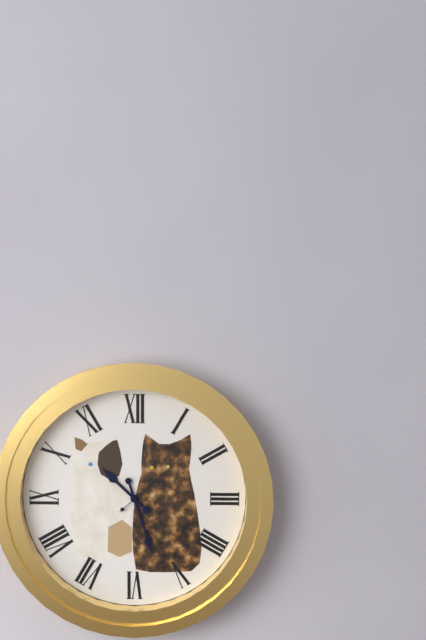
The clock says 10:27:08
